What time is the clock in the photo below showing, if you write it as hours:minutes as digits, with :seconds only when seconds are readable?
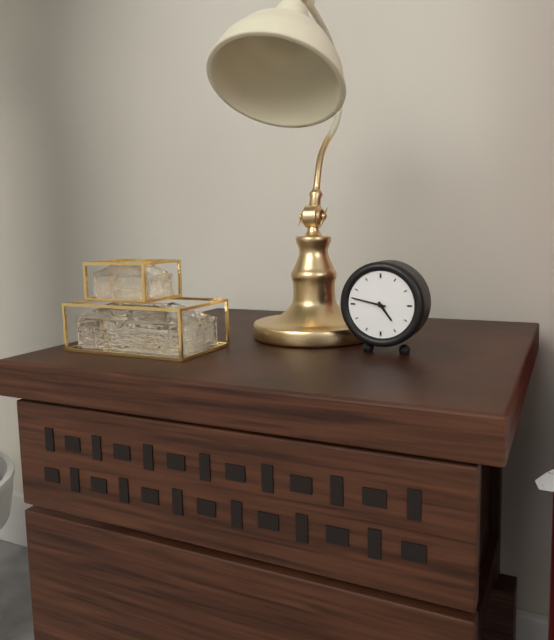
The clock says 4:47
